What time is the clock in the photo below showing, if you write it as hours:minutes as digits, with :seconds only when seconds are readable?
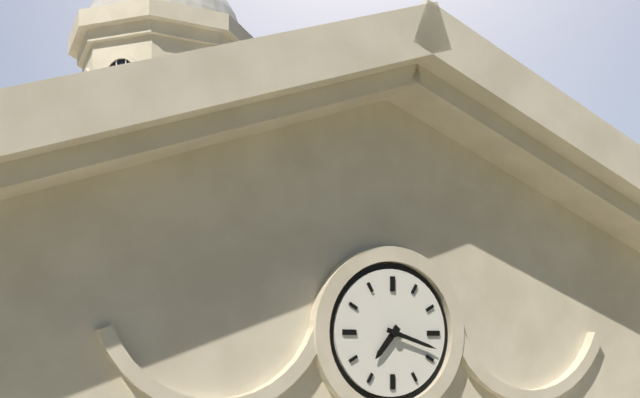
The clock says 7:18
